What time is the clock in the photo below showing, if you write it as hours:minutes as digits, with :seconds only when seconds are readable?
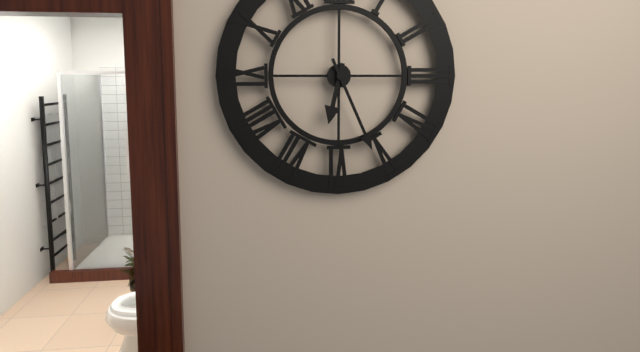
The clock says 6:26
